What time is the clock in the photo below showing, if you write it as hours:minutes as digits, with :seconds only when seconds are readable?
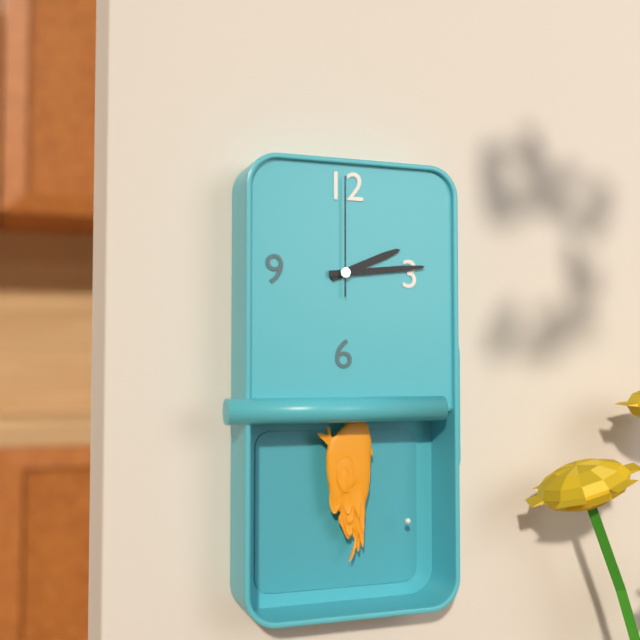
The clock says 2:14:00
